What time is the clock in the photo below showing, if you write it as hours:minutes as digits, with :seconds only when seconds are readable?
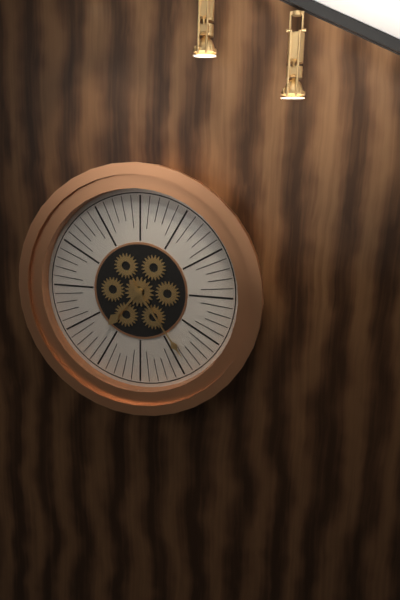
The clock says 7:24
